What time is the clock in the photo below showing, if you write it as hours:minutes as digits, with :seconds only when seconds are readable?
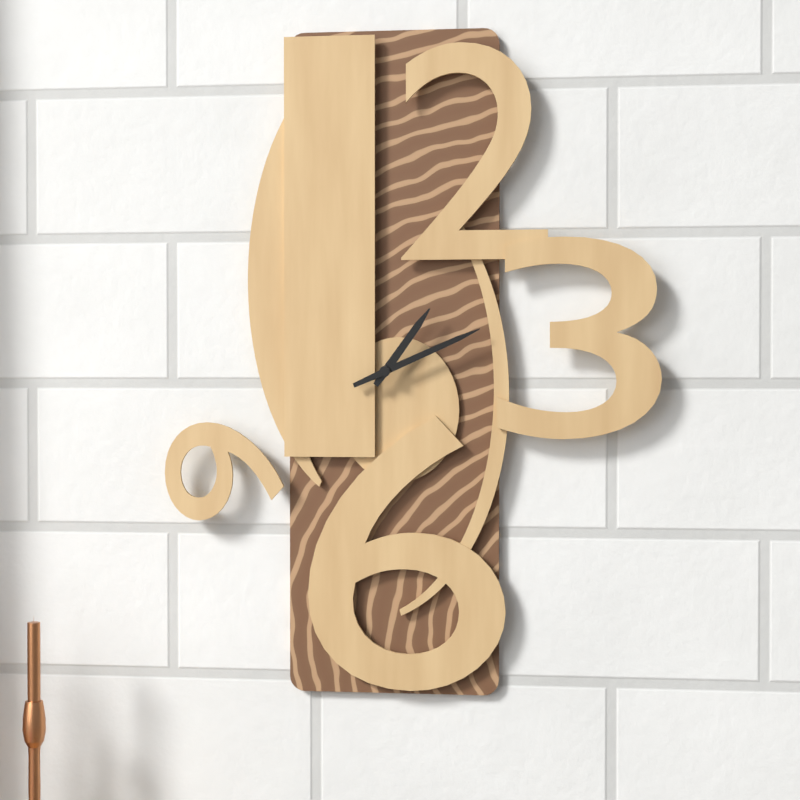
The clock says 1:11
